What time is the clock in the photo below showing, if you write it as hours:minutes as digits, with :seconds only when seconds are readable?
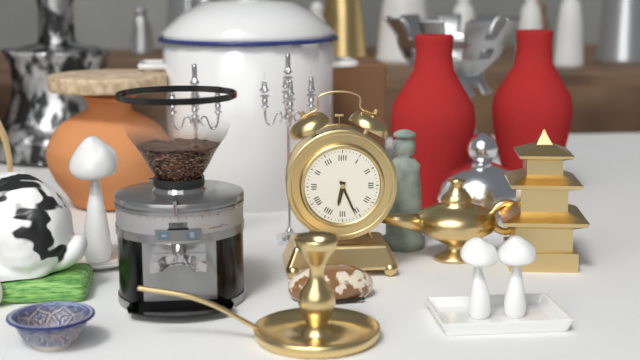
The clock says 6:26
